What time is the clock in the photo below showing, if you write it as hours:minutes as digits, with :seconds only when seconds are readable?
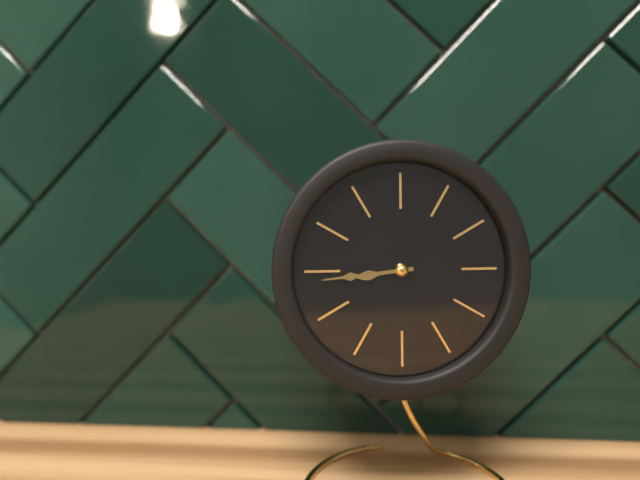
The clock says 8:44
